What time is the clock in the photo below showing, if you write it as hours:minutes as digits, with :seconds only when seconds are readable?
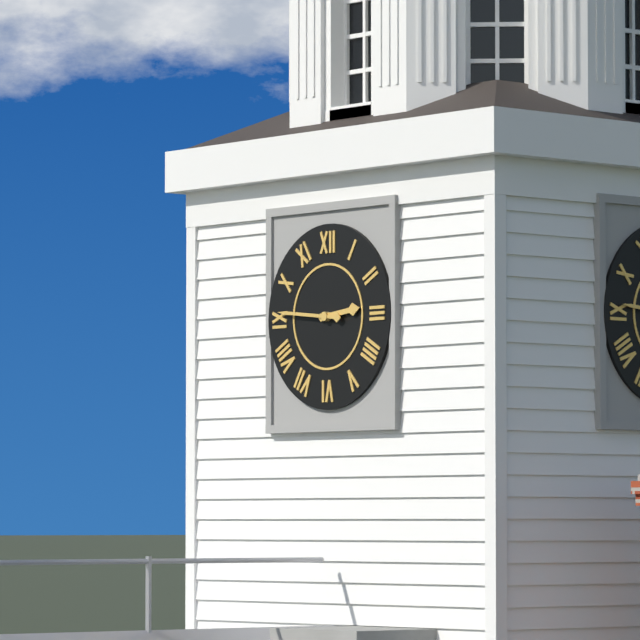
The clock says 2:46
